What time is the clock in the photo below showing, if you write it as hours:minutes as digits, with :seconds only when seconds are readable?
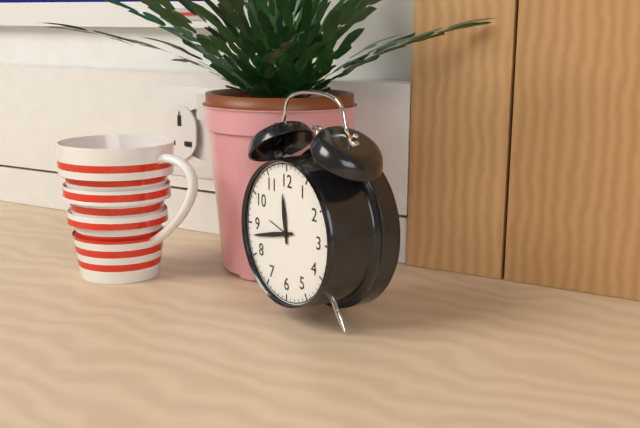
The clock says 11:43
